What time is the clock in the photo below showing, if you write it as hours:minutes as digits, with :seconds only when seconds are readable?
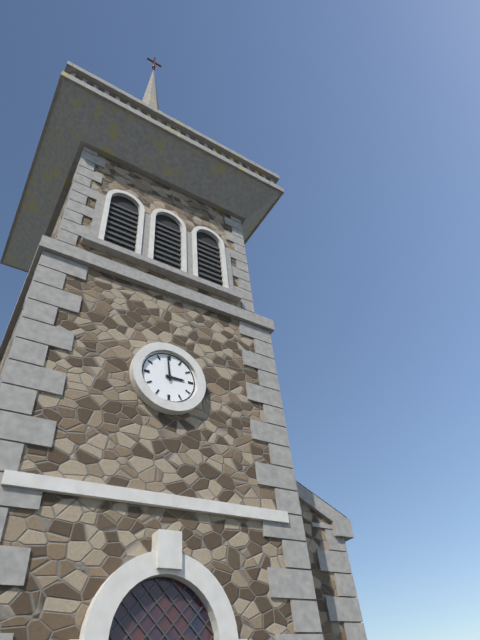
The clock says 2:59
